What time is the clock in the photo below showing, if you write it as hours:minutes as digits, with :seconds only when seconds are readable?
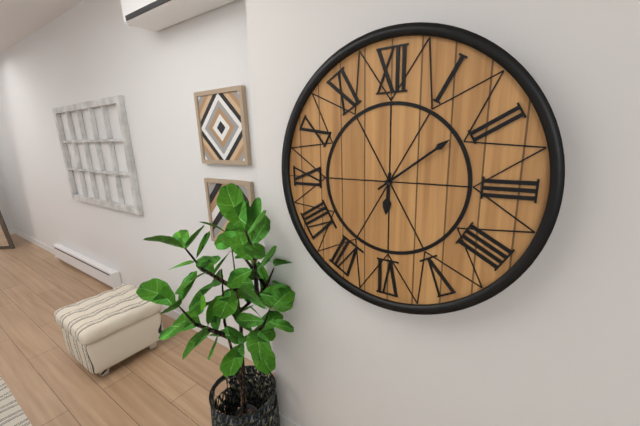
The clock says 6:09
